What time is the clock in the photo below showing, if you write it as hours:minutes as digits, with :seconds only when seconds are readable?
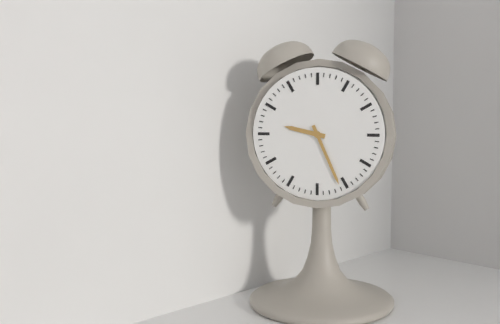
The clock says 9:26
